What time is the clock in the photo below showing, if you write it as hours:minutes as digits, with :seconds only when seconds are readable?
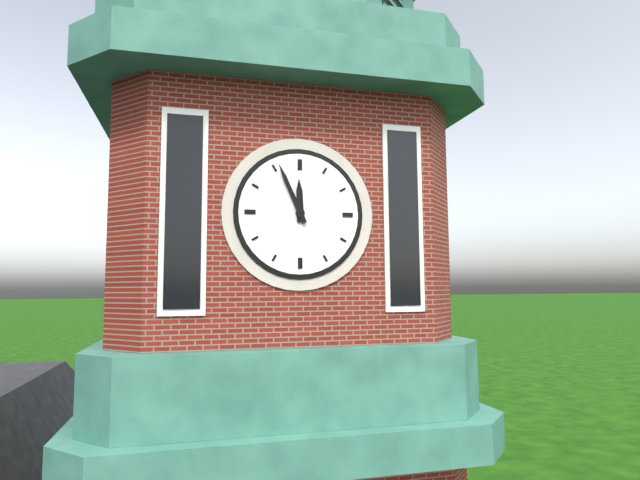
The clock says 11:56
